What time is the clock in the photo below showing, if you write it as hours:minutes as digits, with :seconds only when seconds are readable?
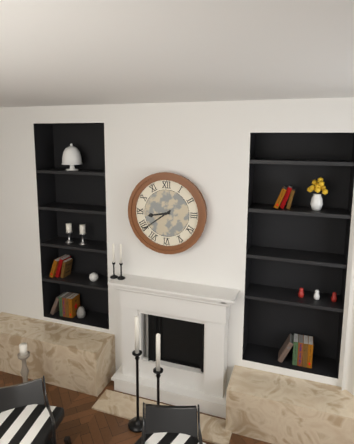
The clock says 8:39
